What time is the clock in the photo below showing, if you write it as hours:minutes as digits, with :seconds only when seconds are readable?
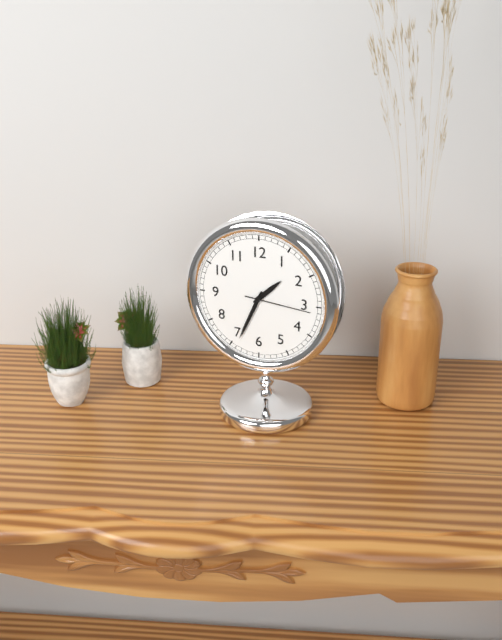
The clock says 1:34:16
